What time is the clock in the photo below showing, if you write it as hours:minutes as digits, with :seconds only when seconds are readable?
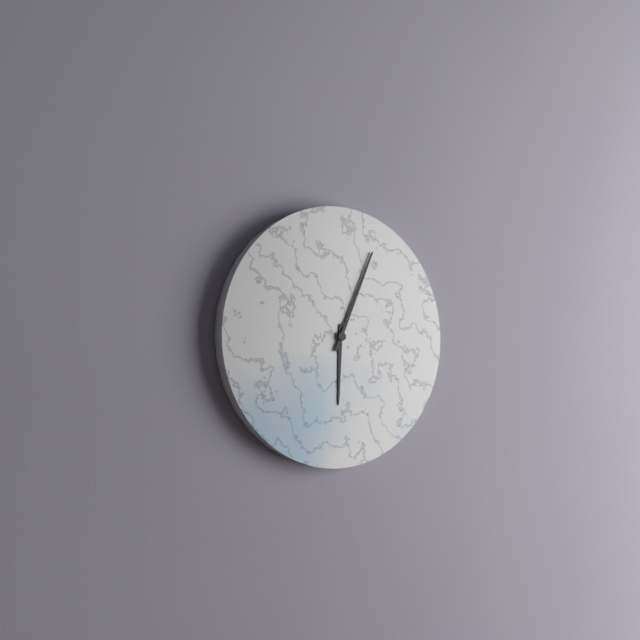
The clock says 6:04
